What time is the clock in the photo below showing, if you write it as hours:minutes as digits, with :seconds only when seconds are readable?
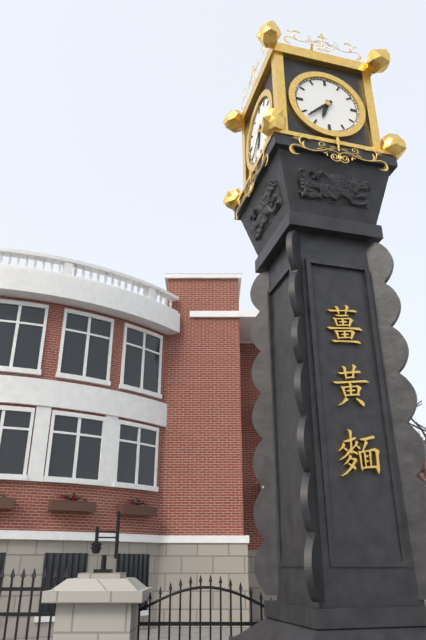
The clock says 6:38
